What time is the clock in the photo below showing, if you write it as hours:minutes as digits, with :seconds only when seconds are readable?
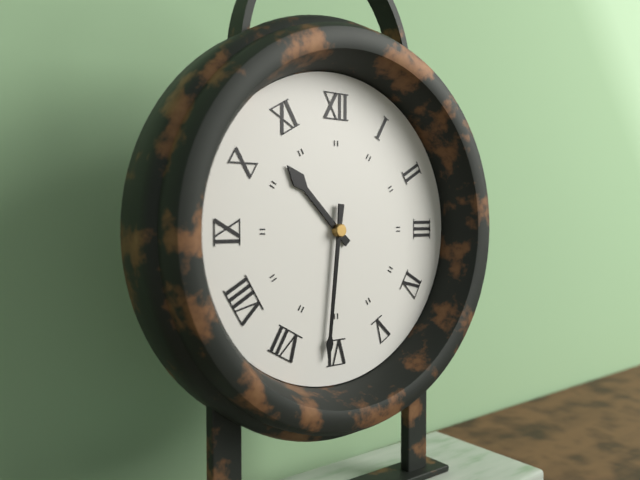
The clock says 10:31
